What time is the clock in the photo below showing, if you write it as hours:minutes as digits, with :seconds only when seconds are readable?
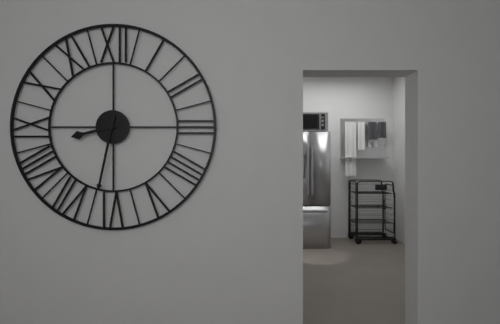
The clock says 8:32
